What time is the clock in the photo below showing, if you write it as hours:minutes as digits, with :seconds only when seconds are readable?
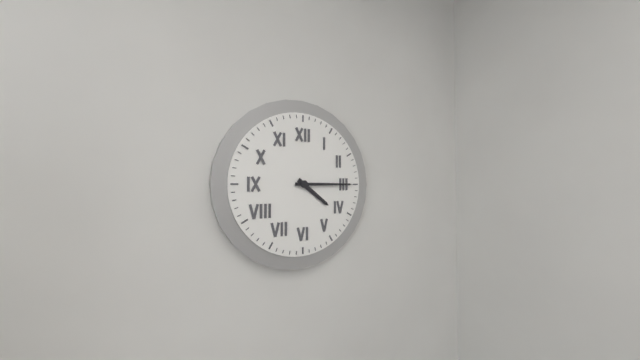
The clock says 4:15
